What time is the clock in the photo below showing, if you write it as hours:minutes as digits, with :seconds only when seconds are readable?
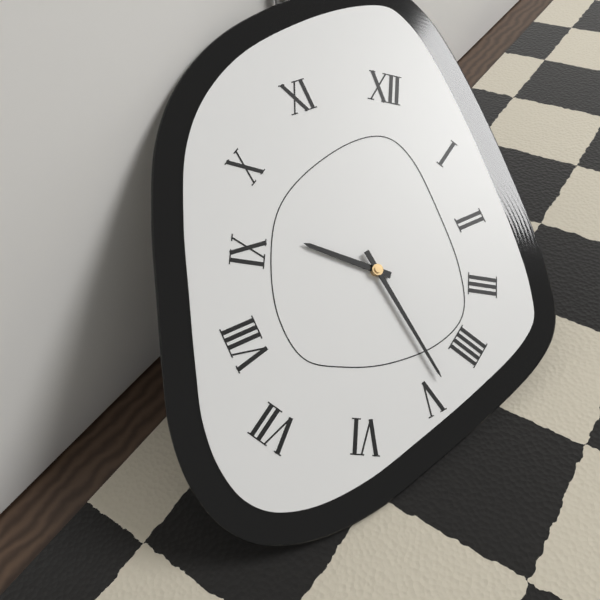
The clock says 9:24
